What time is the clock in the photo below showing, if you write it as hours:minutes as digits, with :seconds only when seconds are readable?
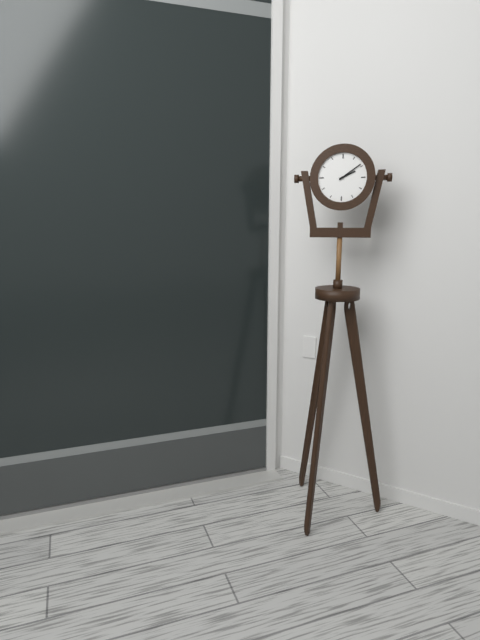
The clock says 2:09
